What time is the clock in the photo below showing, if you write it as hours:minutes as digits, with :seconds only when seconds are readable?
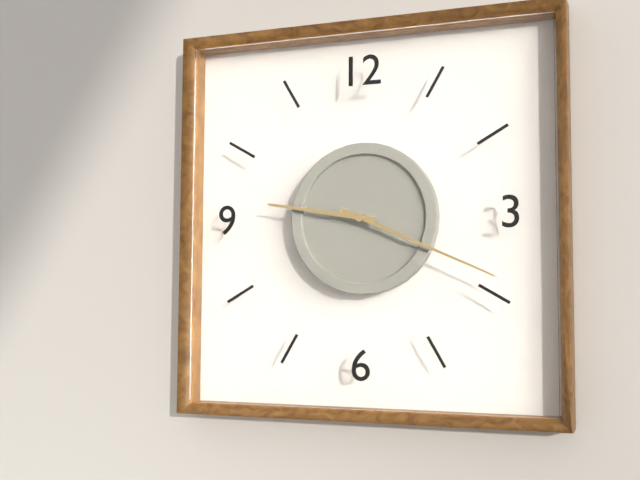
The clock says 9:19
